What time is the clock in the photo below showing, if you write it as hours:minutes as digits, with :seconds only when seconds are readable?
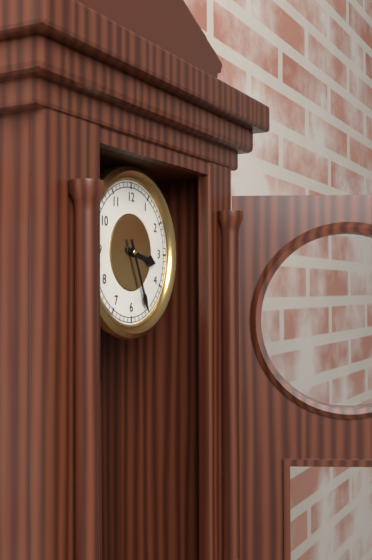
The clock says 3:26
